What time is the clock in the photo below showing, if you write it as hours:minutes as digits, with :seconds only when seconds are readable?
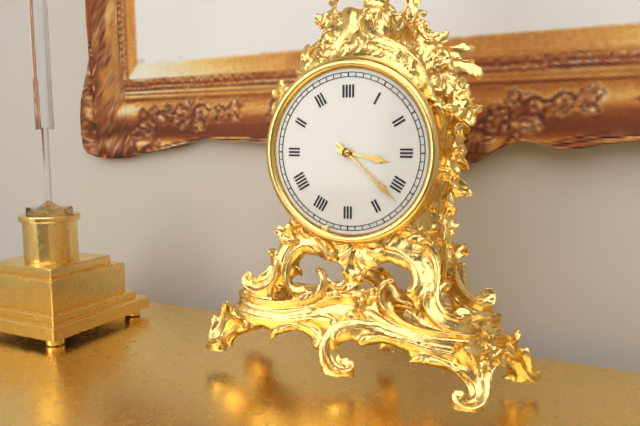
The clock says 3:22
